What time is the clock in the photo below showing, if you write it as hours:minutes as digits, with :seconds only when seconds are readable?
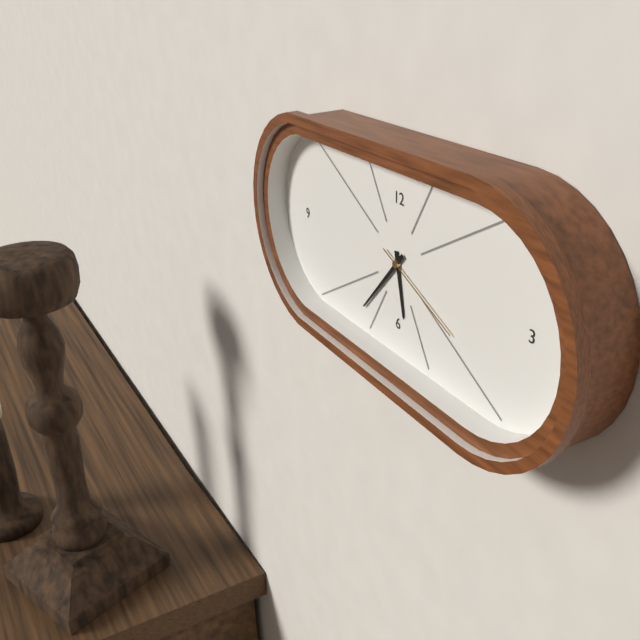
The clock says 5:37:19
